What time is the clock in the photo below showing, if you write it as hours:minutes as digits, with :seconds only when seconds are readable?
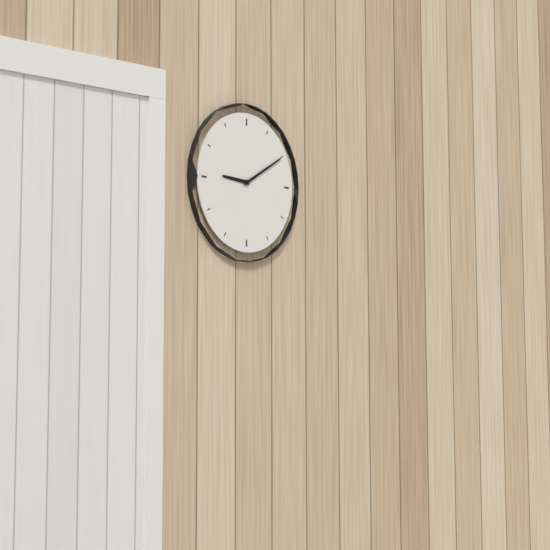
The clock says 9:10
